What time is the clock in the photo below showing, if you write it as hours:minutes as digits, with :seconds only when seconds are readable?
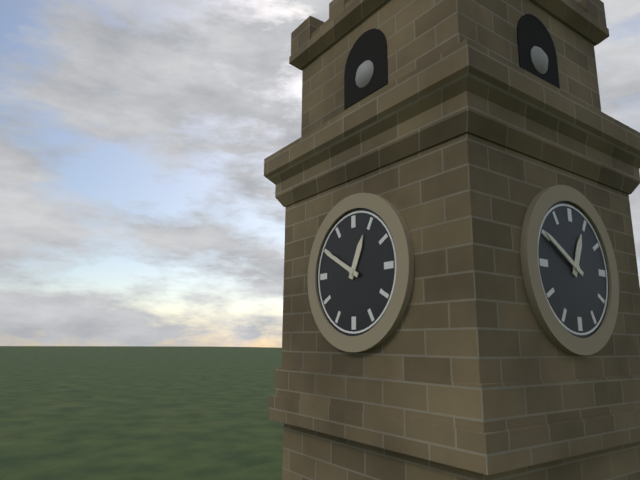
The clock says 12:50
